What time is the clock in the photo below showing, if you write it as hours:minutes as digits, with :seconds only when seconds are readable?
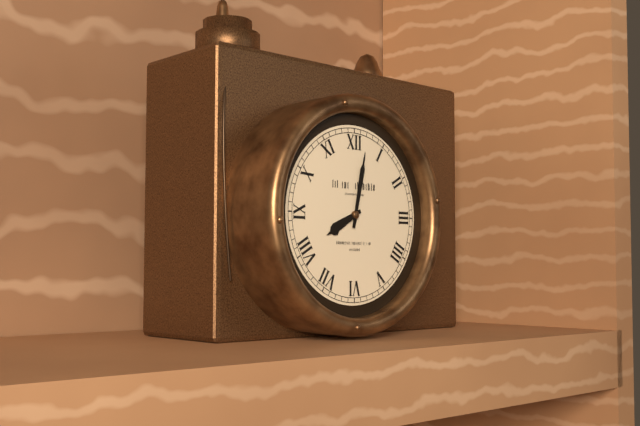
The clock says 8:02
